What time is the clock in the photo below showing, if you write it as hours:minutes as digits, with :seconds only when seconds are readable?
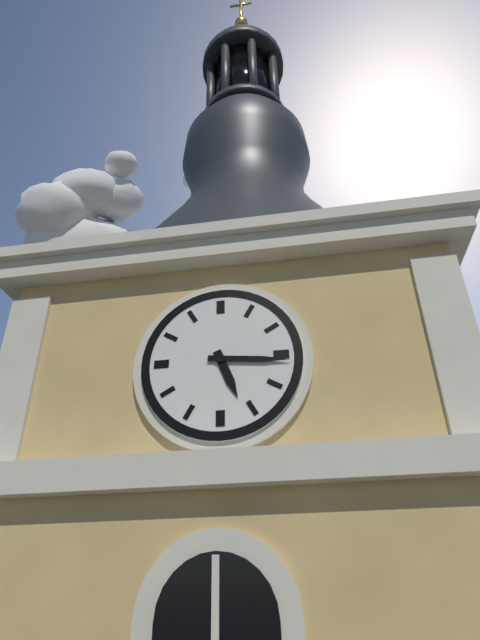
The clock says 5:16
